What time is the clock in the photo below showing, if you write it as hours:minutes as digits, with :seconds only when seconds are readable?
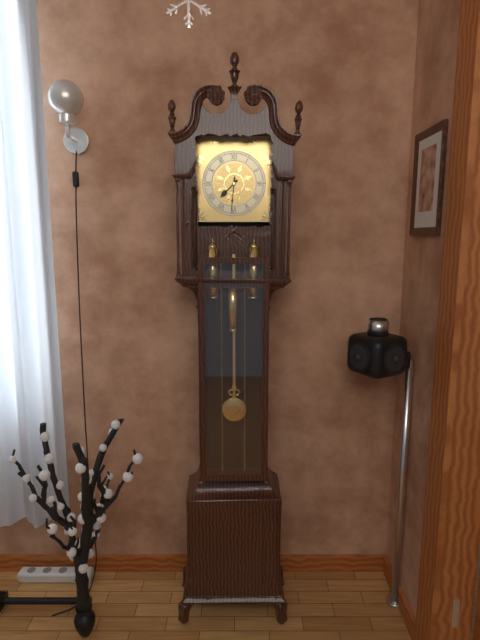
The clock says 7:31
